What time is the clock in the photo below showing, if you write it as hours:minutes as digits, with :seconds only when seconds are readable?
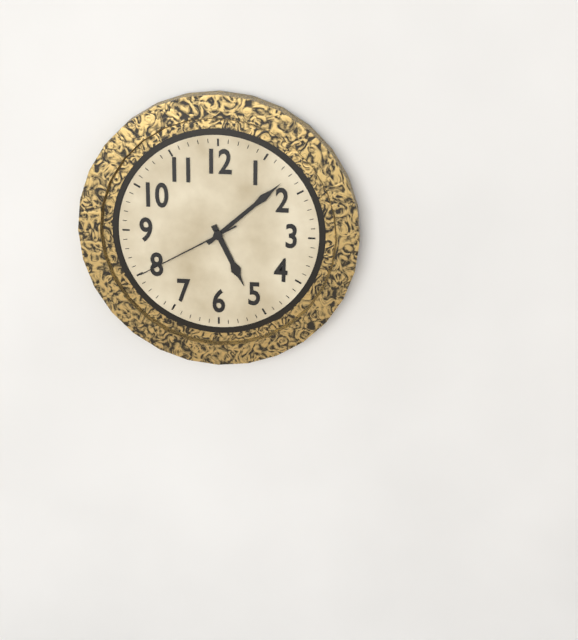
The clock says 5:08:40
